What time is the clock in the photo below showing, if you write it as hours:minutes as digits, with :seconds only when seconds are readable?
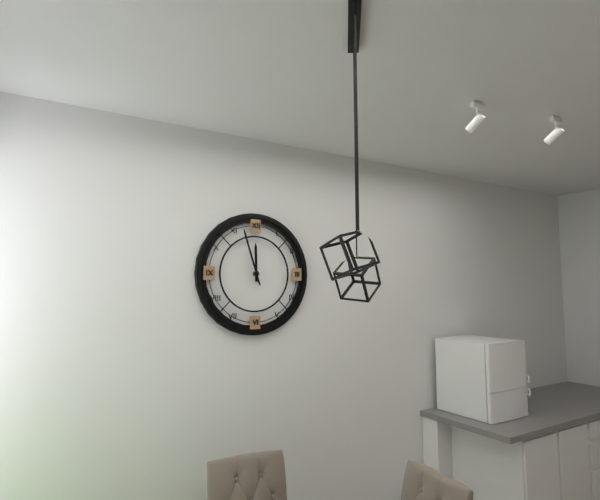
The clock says 11:57
